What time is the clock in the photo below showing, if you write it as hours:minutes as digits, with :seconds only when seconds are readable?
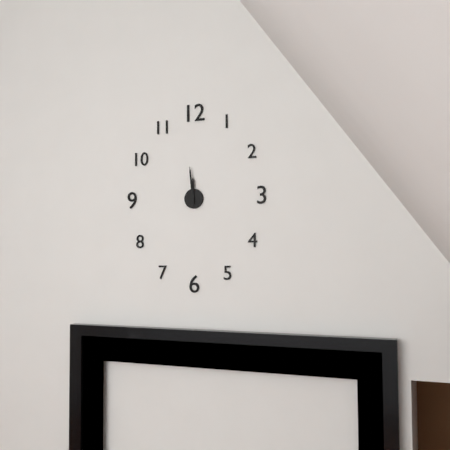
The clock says 11:59
